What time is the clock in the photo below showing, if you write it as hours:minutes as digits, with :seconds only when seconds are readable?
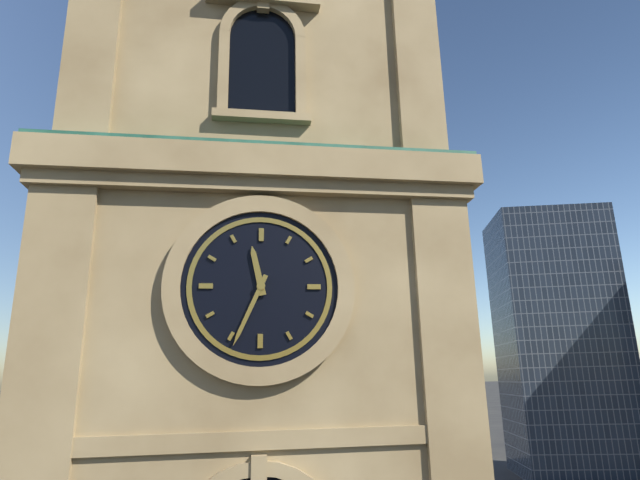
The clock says 11:34
